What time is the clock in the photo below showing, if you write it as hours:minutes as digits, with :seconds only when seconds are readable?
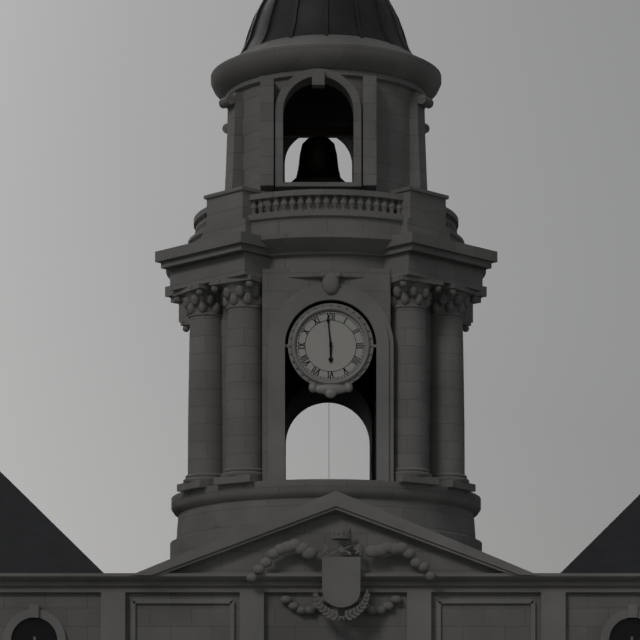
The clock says 5:59
